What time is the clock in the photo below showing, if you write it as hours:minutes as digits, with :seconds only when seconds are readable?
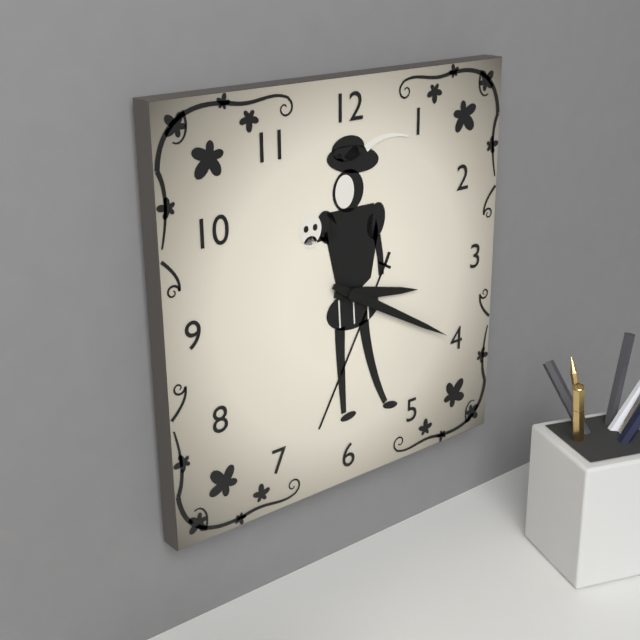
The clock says 3:20
